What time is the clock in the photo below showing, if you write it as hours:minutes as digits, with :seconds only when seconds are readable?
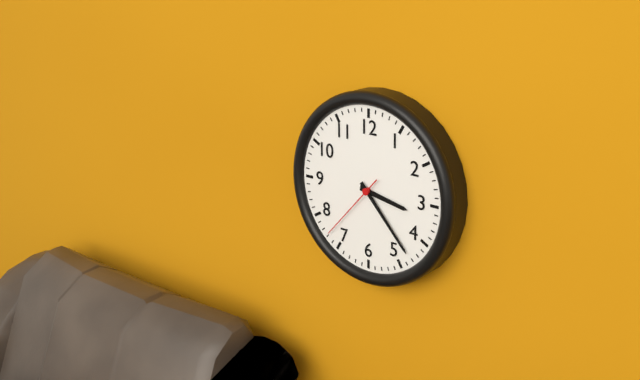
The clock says 3:23:37
